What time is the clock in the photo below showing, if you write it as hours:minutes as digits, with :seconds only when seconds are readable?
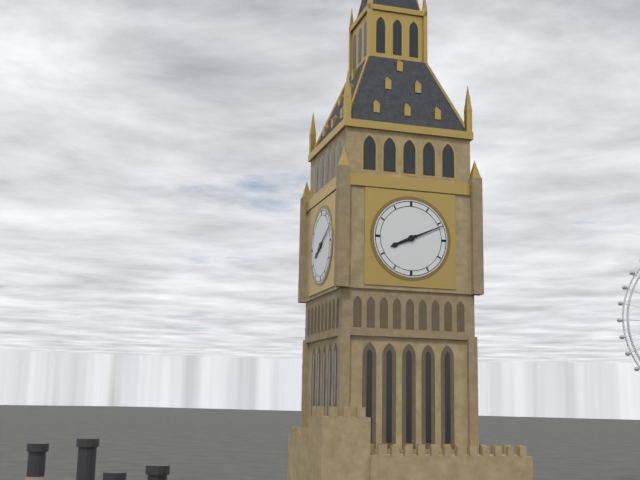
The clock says 8:11
